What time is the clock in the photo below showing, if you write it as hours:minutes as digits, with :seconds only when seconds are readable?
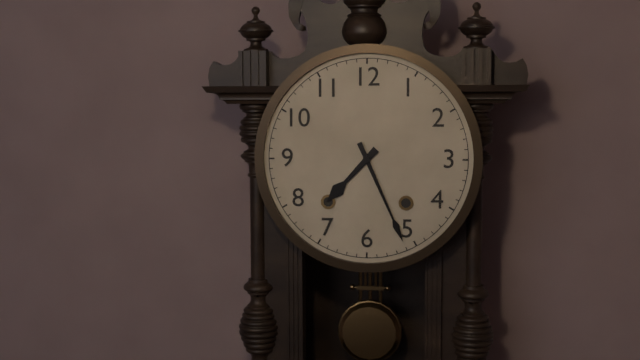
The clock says 7:26
